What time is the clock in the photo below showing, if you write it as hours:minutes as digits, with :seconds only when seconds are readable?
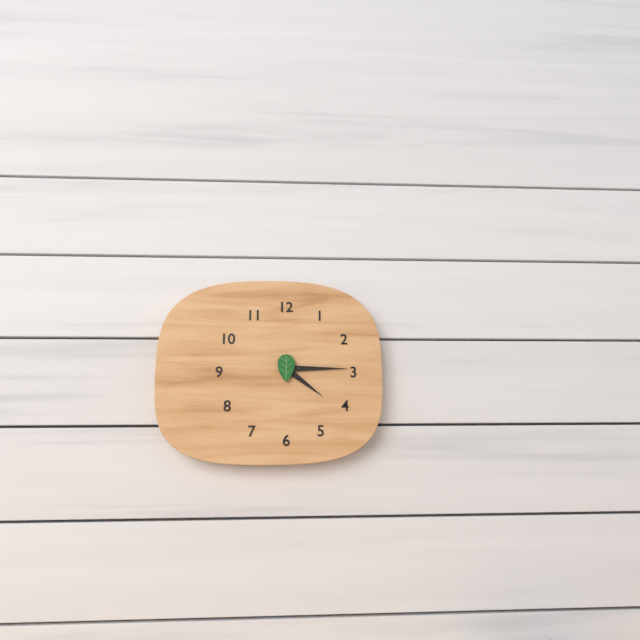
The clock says 4:15
